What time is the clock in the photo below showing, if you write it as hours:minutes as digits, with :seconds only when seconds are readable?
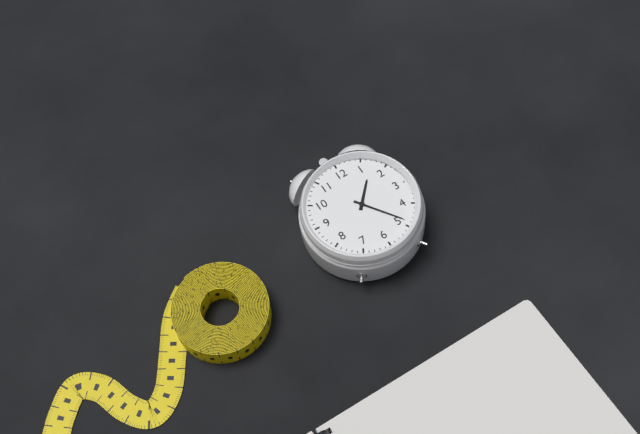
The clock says 1:24
